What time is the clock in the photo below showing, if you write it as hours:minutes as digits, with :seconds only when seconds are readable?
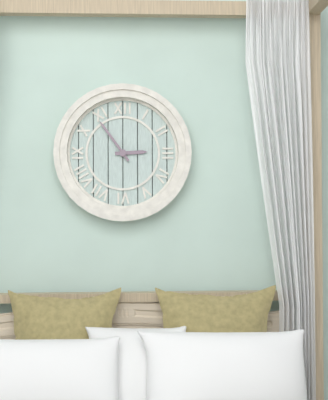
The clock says 2:54
